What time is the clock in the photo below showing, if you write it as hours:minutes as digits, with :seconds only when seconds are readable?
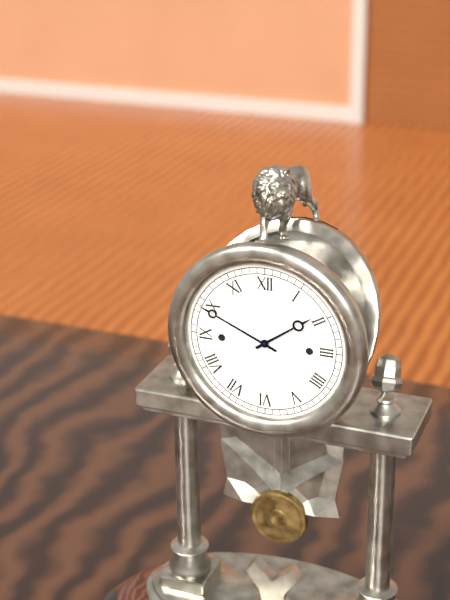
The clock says 1:49
